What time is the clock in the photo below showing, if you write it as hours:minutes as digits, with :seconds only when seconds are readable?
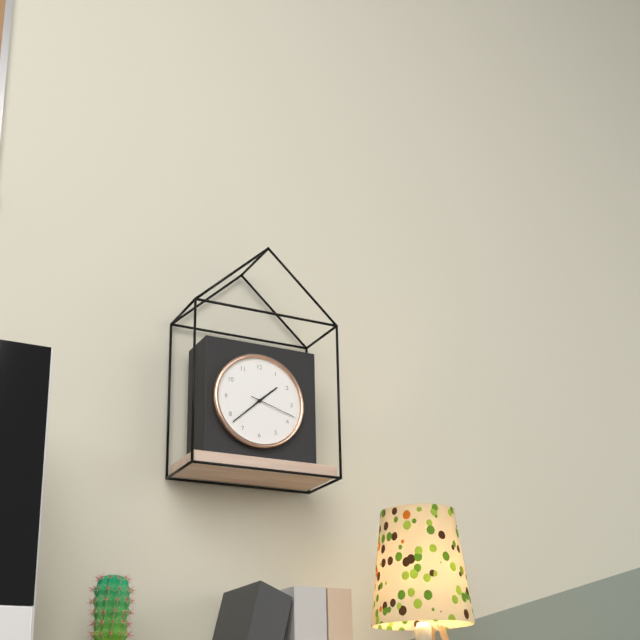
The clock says 1:38
